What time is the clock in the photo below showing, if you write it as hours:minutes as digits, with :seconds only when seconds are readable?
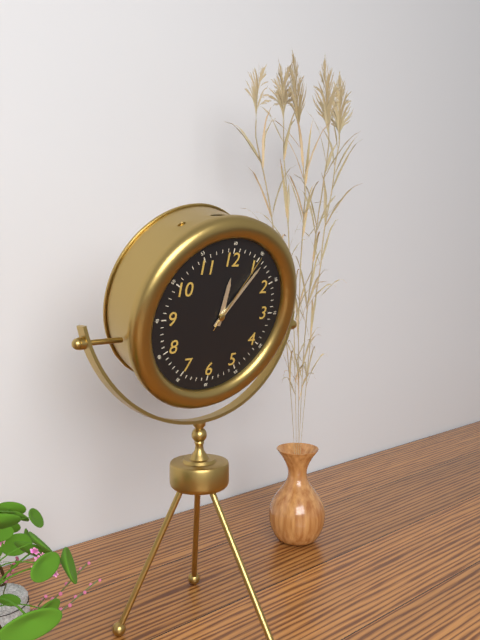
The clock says 12:06:05
